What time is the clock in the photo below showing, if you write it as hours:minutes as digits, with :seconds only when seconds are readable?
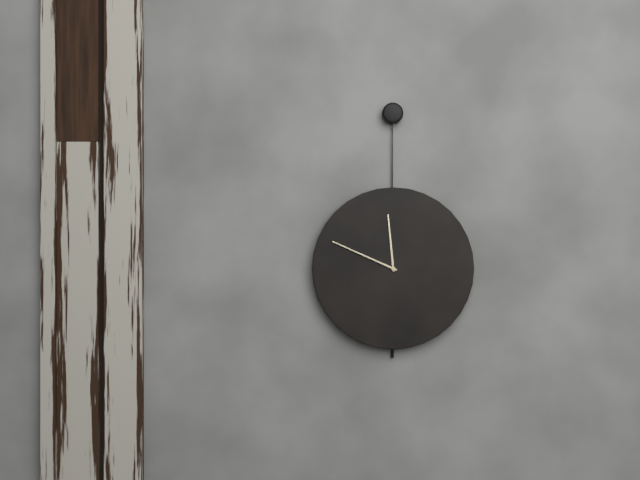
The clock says 11:49
